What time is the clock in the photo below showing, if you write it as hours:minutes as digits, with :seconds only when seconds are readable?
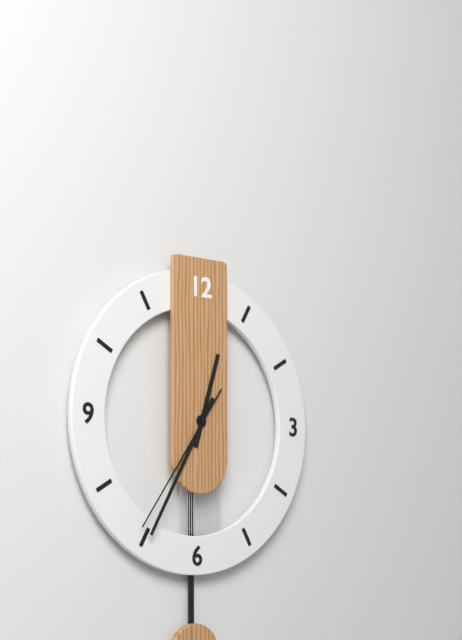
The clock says 12:35:36
